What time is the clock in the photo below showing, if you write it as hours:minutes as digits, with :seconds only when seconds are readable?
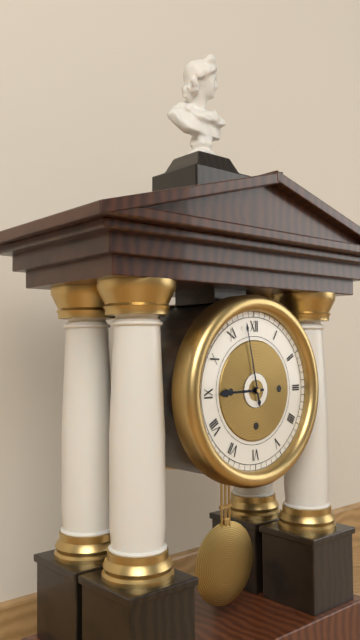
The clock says 8:58
